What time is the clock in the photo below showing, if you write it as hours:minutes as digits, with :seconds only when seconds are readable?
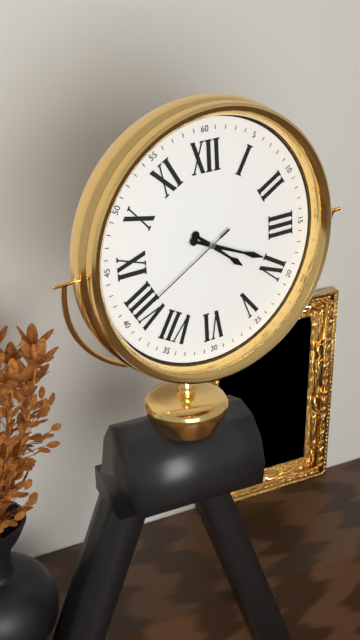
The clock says 4:19:40
